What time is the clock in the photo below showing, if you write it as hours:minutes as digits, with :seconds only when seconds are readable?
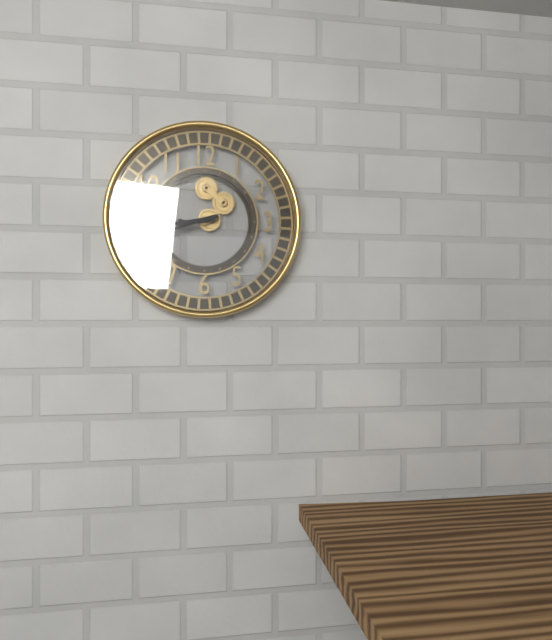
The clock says 8:42
